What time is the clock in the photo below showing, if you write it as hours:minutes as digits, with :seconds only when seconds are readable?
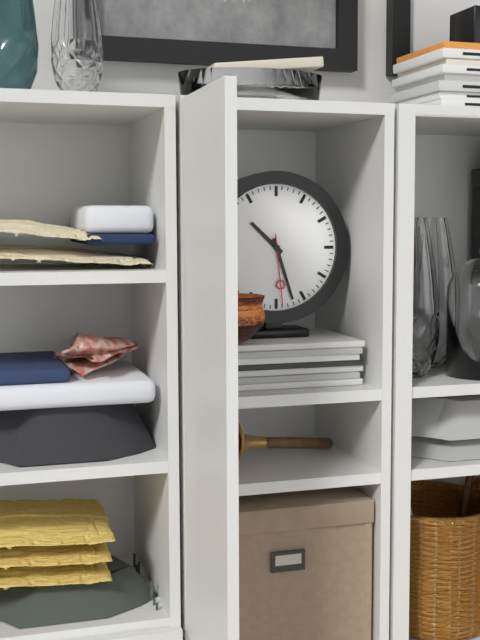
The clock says 10:27:29
